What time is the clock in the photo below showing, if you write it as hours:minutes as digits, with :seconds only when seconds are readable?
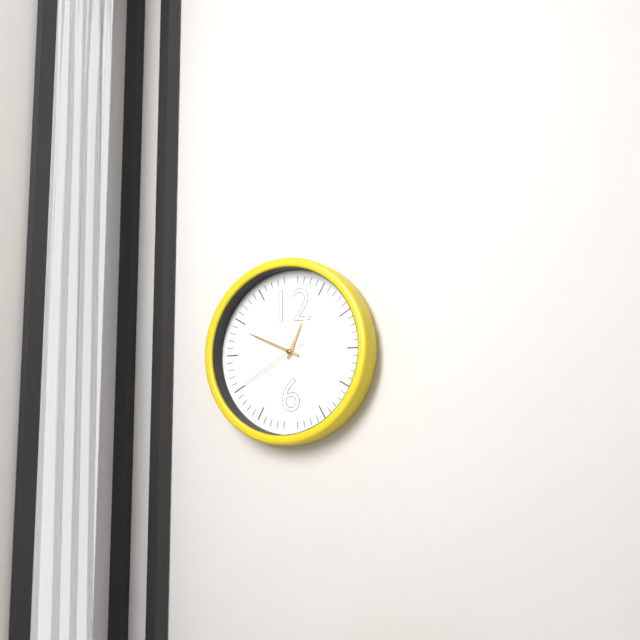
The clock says 12:49:40
